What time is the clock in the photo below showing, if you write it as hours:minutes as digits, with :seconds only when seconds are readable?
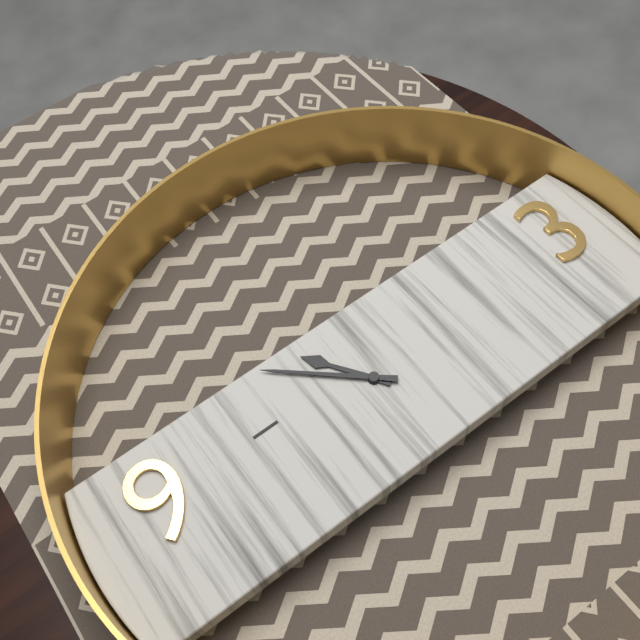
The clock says 10:52
